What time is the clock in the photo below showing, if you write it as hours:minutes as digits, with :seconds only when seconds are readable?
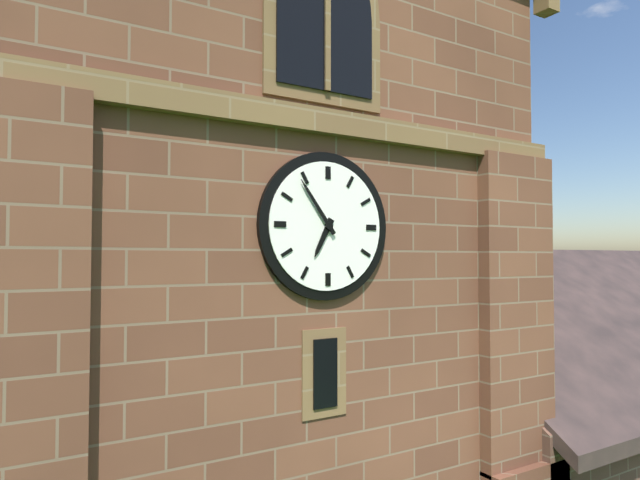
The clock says 6:54
